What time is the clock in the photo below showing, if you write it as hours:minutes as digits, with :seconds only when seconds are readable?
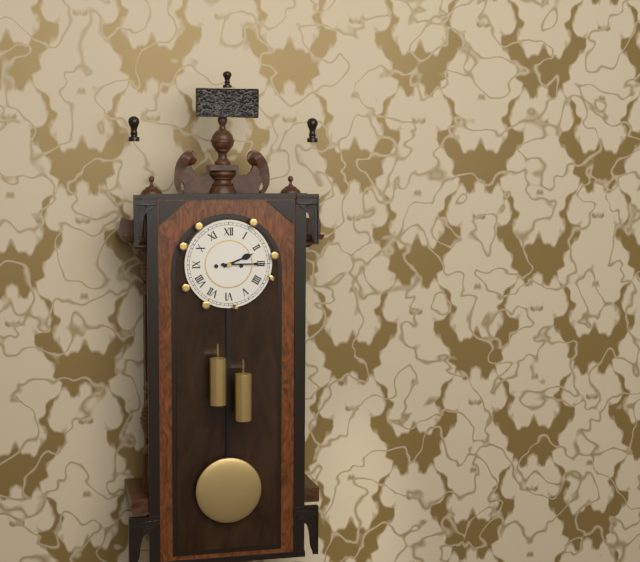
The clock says 2:15
